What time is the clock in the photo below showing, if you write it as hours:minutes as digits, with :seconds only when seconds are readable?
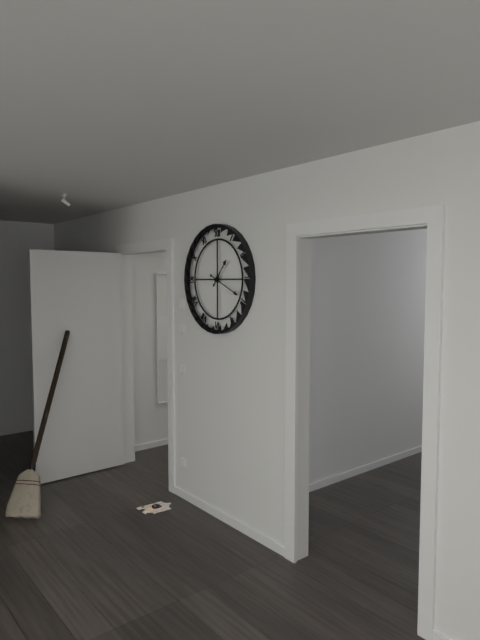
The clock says 1:19
